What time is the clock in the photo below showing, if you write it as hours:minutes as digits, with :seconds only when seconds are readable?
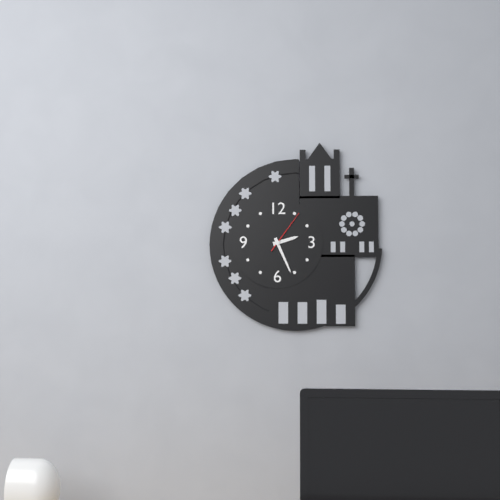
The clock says 2:26
